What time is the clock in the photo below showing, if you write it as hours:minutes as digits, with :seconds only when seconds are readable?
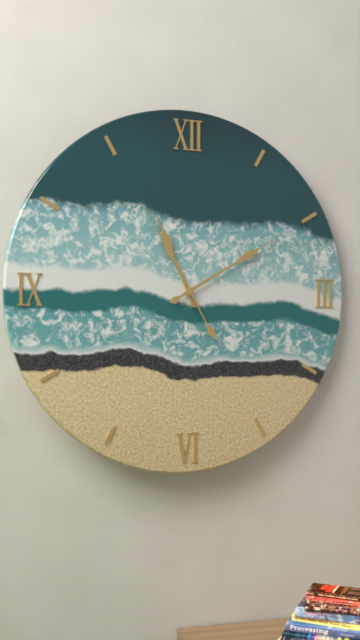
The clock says 11:10:55
